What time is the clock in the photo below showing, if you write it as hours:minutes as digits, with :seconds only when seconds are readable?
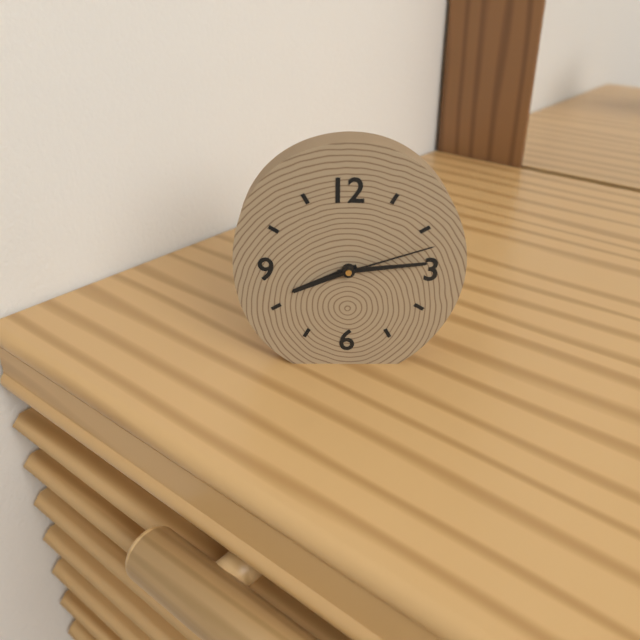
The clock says 8:14:12
